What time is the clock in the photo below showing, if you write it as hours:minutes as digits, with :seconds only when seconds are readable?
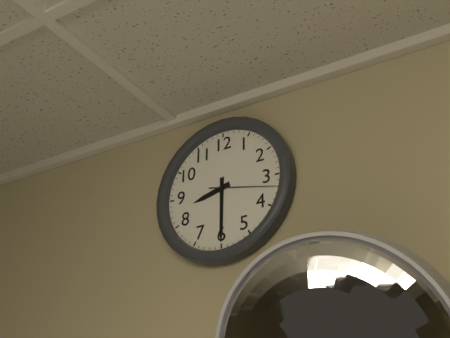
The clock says 8:30
